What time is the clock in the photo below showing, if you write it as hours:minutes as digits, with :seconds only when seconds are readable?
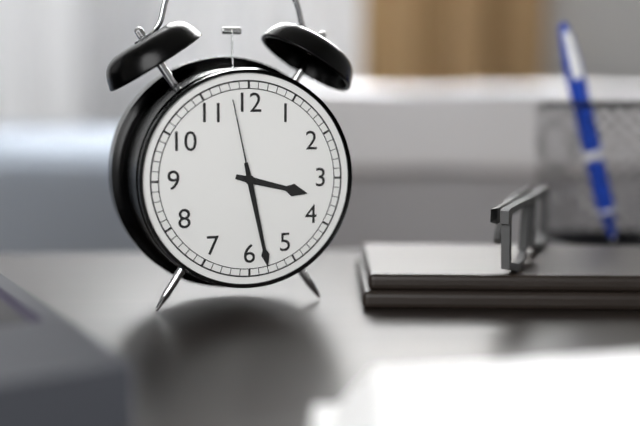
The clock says 3:28:58
